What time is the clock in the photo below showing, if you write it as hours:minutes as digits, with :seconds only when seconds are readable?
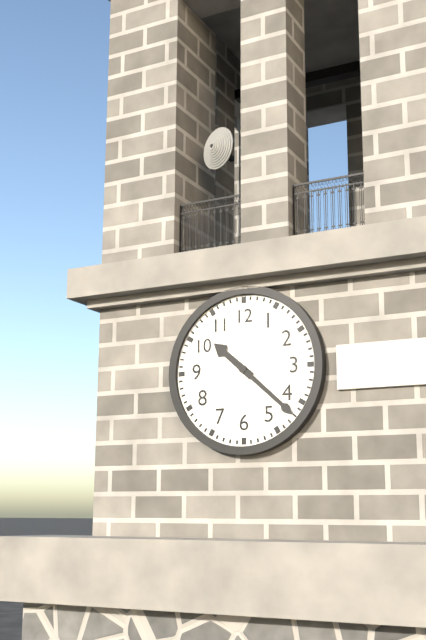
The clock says 10:22
